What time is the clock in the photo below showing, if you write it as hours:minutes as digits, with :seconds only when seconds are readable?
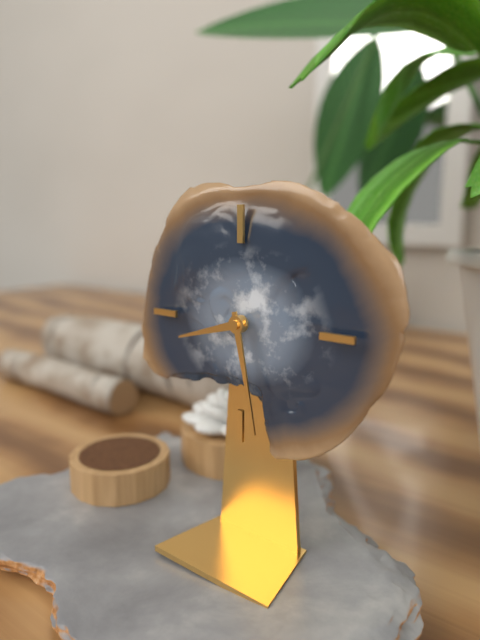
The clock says 8:28
